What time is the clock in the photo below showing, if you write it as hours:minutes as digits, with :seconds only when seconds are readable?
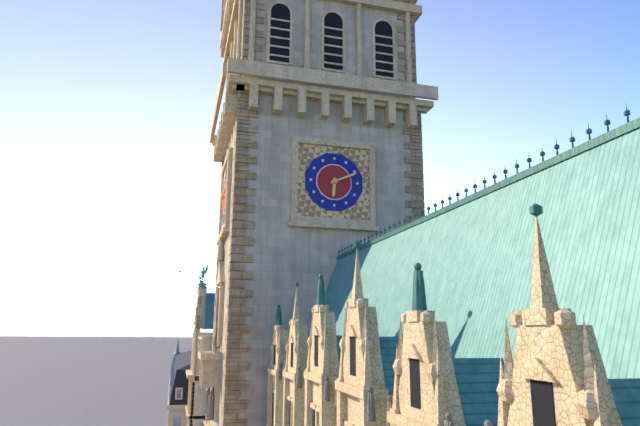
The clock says 6:11
